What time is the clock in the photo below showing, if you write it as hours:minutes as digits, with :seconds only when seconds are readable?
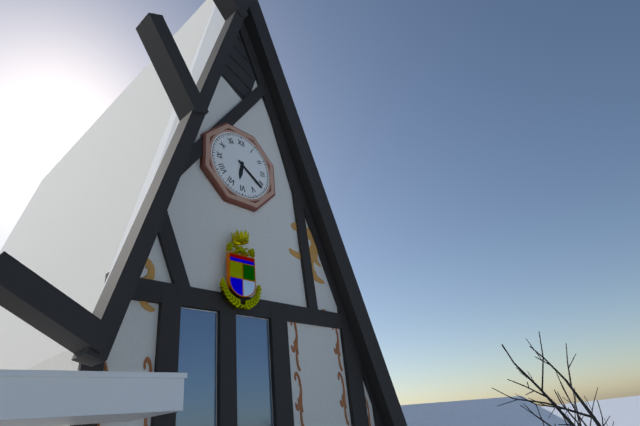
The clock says 6:21
